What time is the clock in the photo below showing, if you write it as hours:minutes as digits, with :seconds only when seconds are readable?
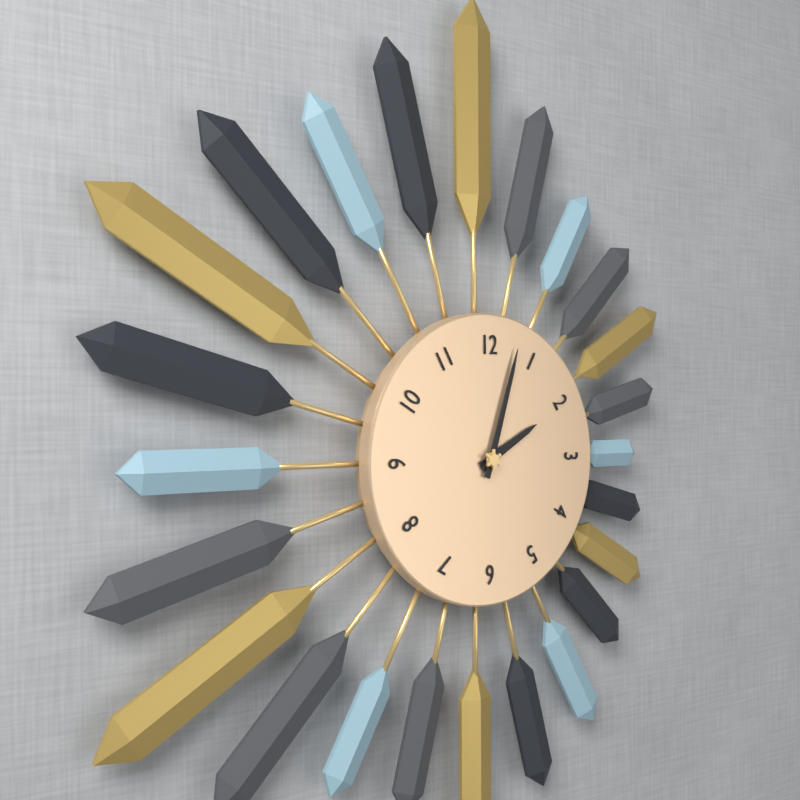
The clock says 2:03
